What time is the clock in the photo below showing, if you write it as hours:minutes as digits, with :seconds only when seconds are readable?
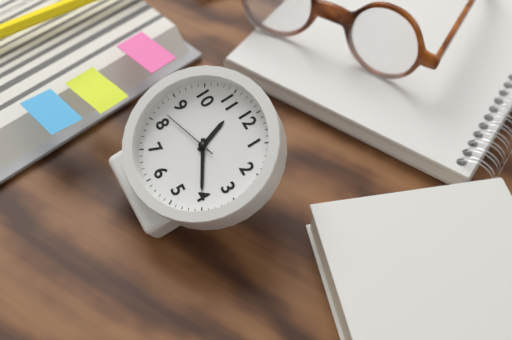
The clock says 11:20:42
